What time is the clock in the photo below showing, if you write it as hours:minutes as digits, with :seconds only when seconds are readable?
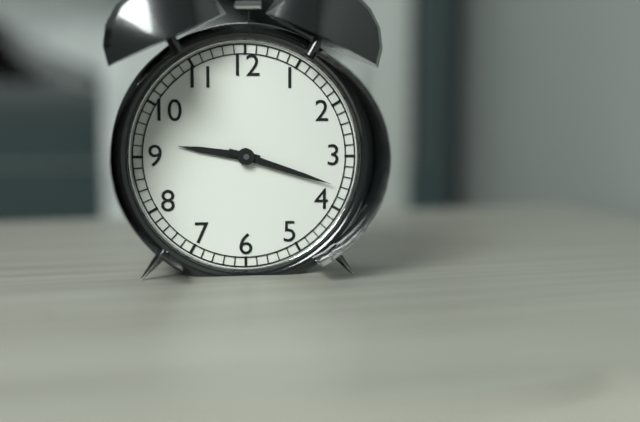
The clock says 9:18
